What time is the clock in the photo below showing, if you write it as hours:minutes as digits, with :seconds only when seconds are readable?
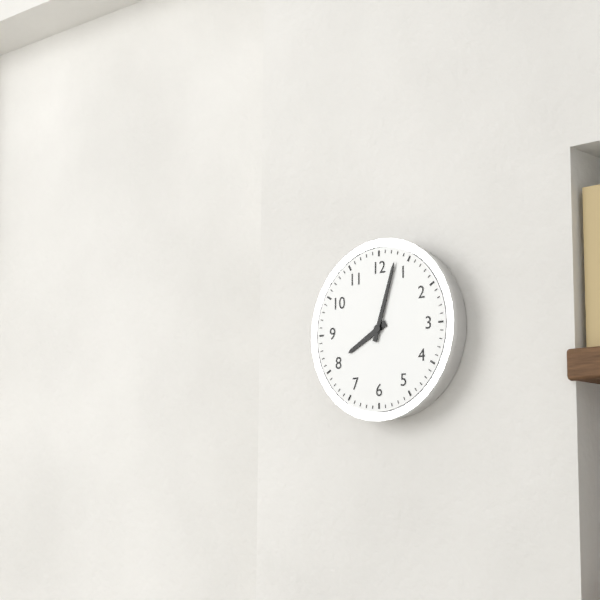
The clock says 8:03
